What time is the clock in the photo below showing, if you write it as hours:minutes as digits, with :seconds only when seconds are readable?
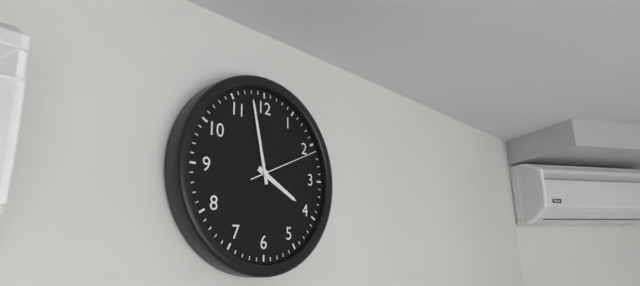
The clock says 3:58:11
